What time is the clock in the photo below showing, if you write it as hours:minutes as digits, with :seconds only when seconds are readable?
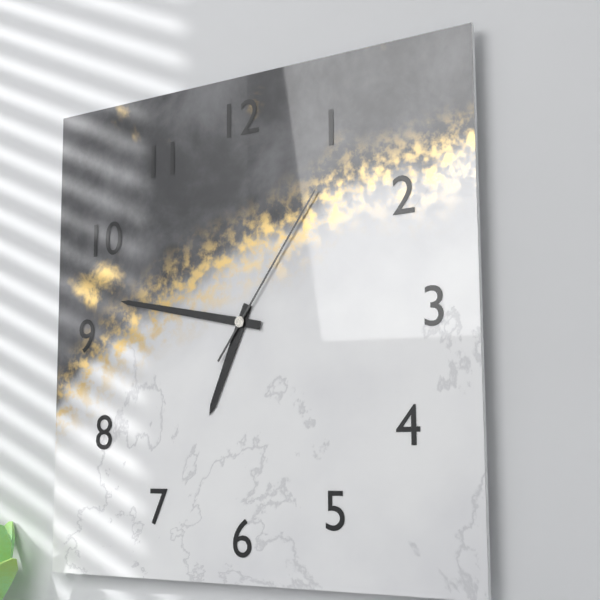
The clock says 6:47:06
